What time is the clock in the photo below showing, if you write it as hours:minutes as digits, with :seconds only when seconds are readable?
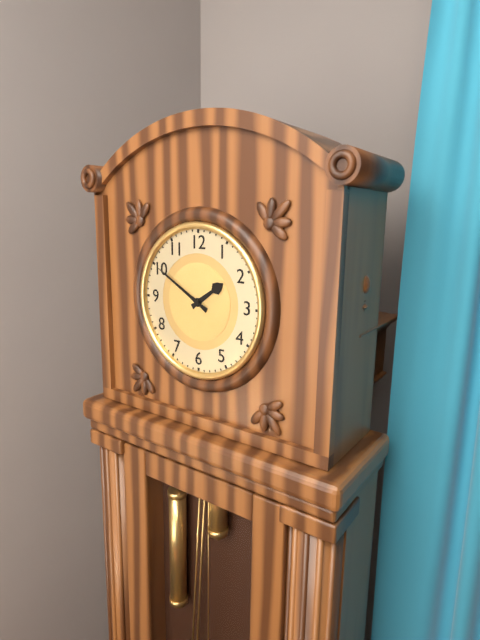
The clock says 1:50
